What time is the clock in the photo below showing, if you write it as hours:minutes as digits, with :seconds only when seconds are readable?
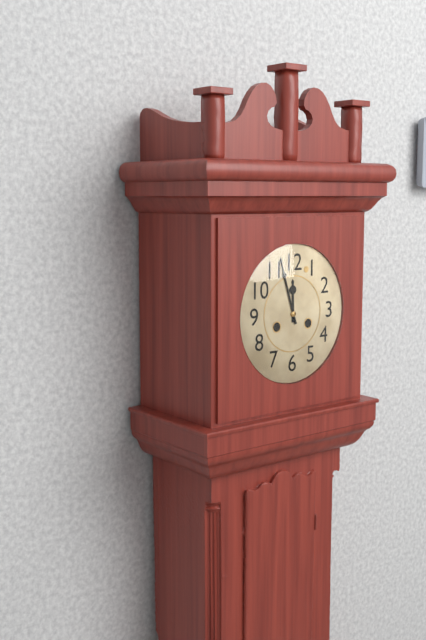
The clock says 11:57
